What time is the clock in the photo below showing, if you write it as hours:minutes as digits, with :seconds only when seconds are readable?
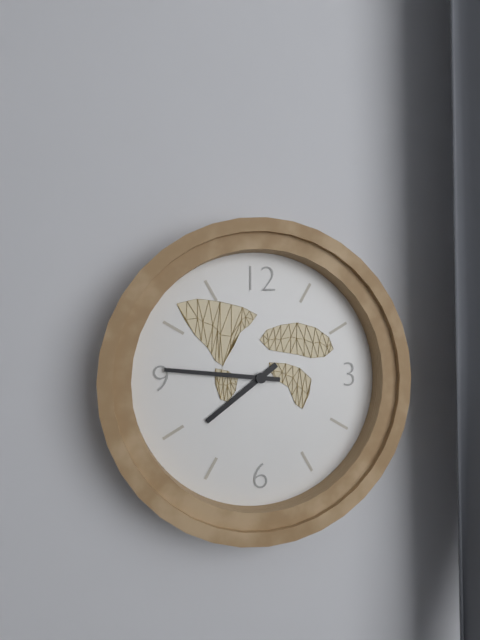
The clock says 7:46
